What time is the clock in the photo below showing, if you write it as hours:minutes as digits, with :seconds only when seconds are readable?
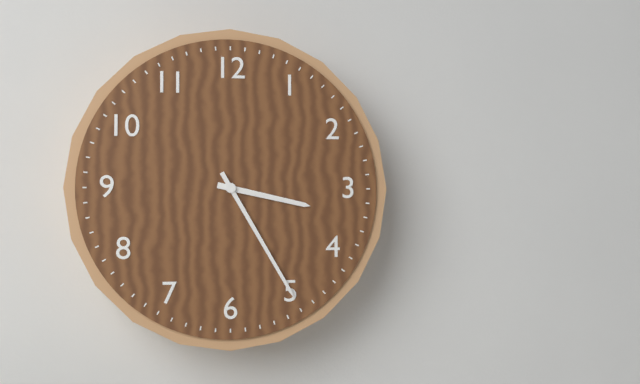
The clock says 3:25
